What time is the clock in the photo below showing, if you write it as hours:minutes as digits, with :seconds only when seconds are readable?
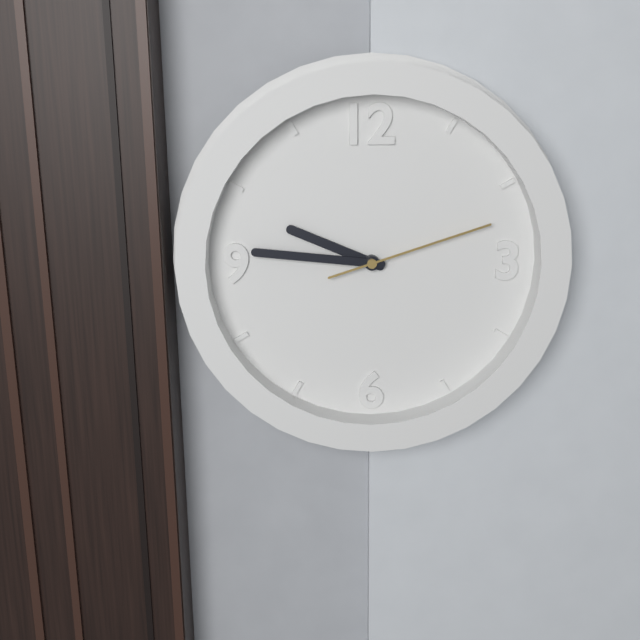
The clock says 9:46:12
